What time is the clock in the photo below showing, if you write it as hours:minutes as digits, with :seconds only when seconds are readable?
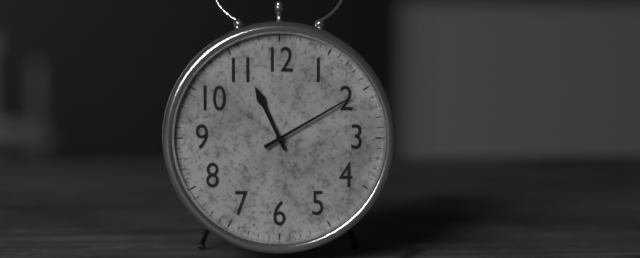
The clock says 11:10
